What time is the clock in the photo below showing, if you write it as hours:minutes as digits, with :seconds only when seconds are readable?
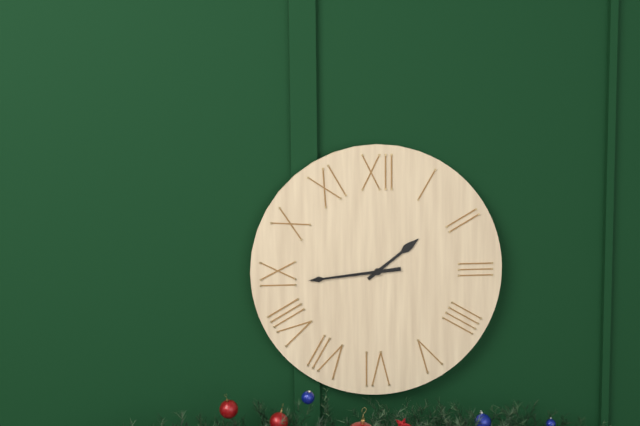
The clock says 1:44
